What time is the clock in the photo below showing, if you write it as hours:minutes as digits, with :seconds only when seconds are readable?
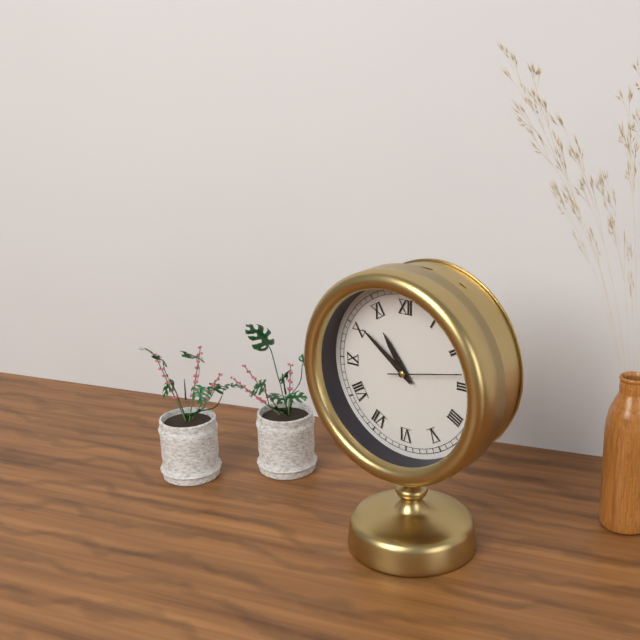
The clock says 10:51:13
